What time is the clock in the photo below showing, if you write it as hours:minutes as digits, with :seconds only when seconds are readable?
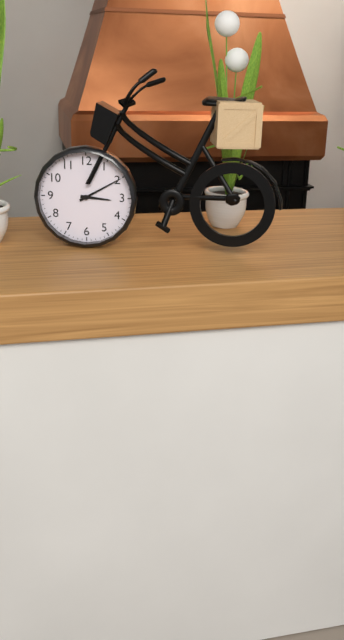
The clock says 3:10
